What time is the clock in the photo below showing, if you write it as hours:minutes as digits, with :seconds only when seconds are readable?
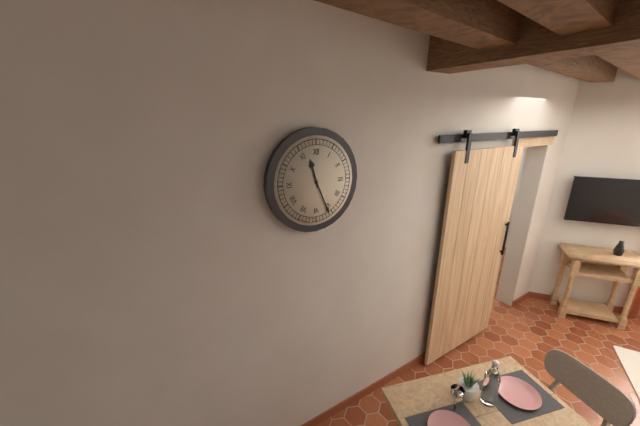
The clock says 11:26
